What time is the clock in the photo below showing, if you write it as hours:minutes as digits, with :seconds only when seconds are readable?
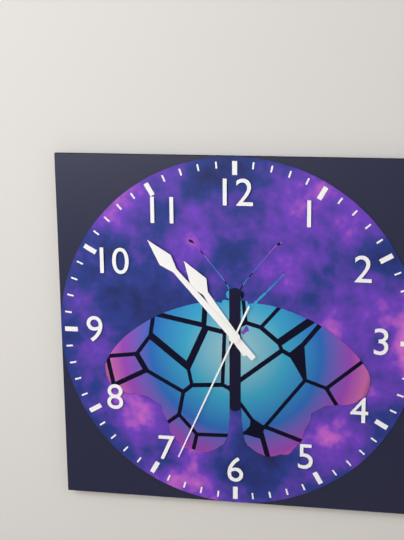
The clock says 10:53:34
